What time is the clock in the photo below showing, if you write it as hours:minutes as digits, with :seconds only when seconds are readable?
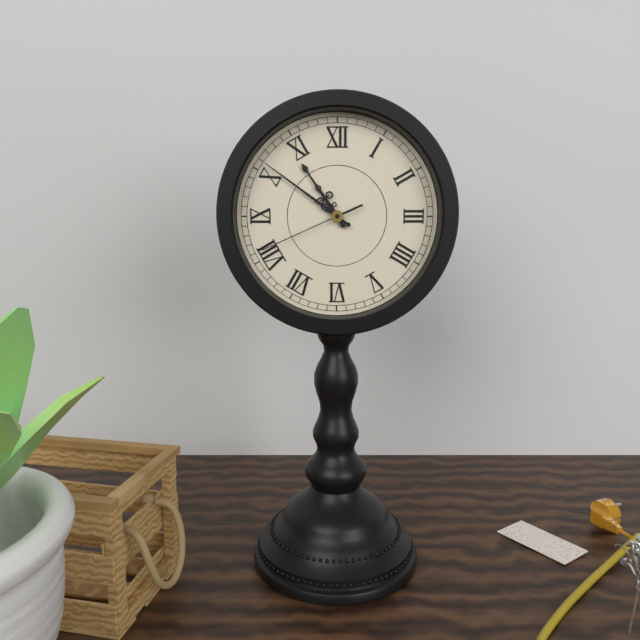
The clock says 10:51:41
